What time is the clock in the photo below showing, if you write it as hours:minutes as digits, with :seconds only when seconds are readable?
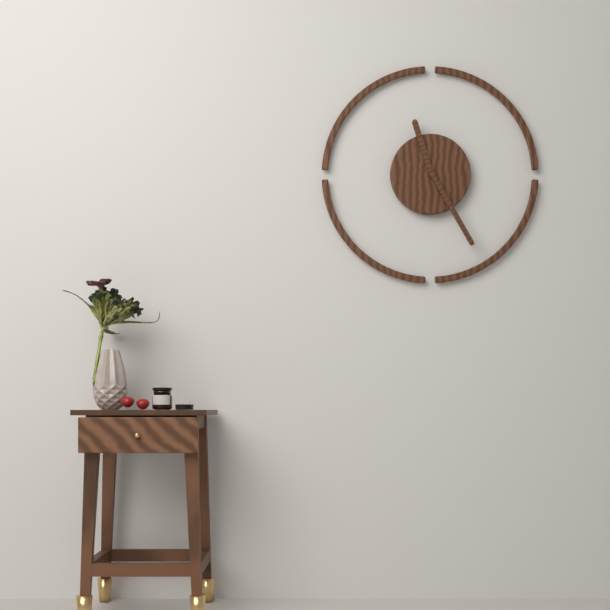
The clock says 11:25
